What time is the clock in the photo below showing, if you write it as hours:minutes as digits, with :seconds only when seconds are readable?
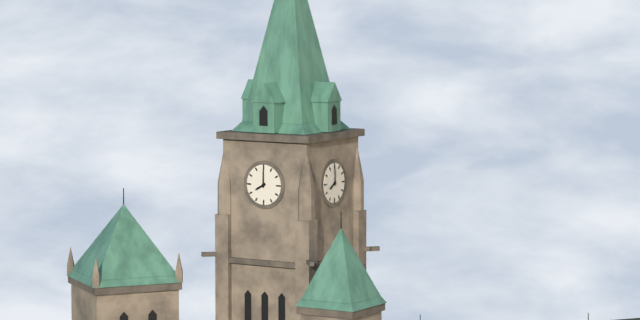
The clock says 8:00
